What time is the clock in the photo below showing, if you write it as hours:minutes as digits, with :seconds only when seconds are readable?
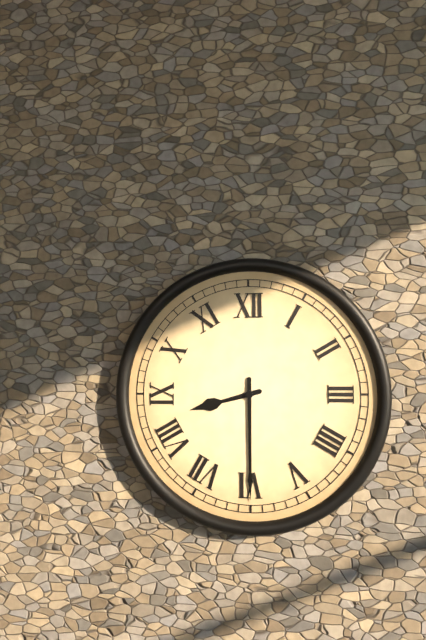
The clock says 8:30
